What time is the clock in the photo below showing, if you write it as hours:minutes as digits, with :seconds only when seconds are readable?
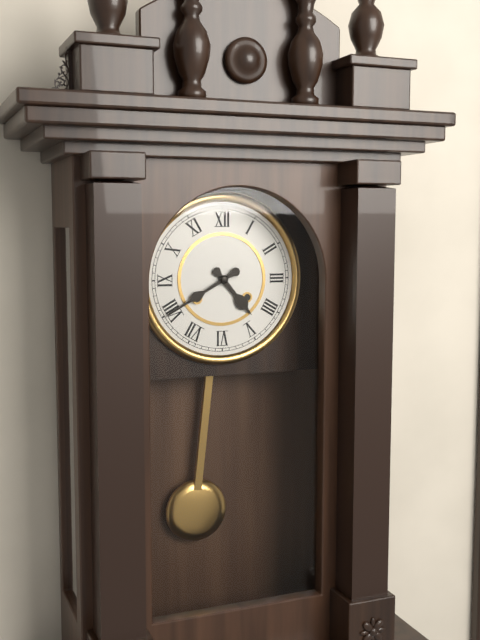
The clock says 4:40
